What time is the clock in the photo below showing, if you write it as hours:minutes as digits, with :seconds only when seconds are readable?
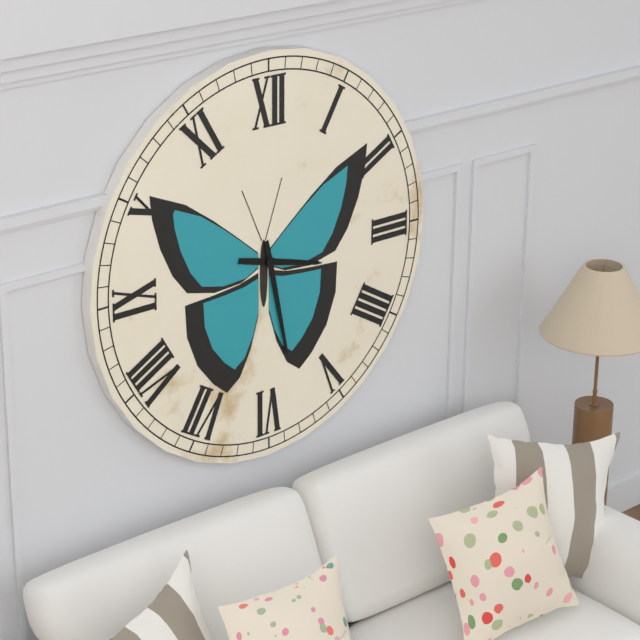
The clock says 3:28
